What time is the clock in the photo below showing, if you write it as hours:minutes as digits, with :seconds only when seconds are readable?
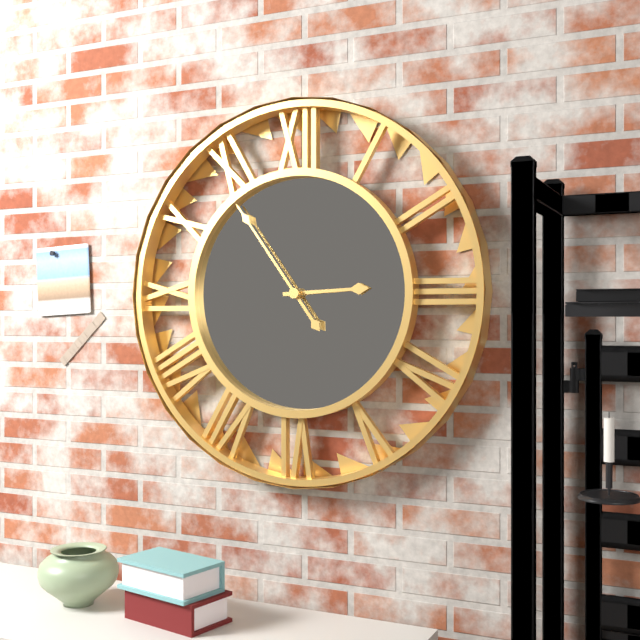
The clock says 2:54
